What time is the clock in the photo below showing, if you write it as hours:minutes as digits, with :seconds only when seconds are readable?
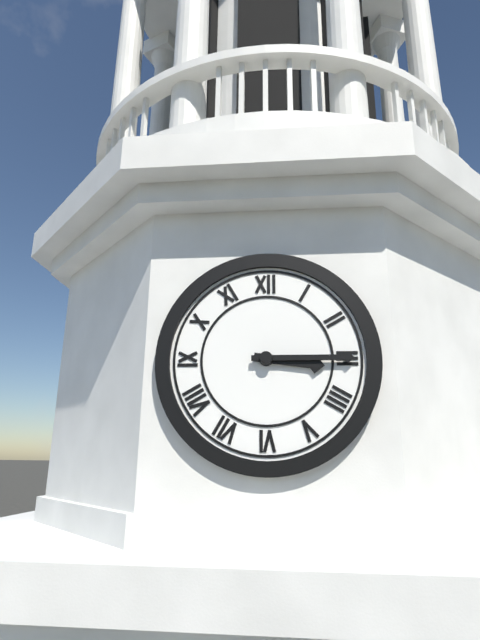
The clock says 3:15
